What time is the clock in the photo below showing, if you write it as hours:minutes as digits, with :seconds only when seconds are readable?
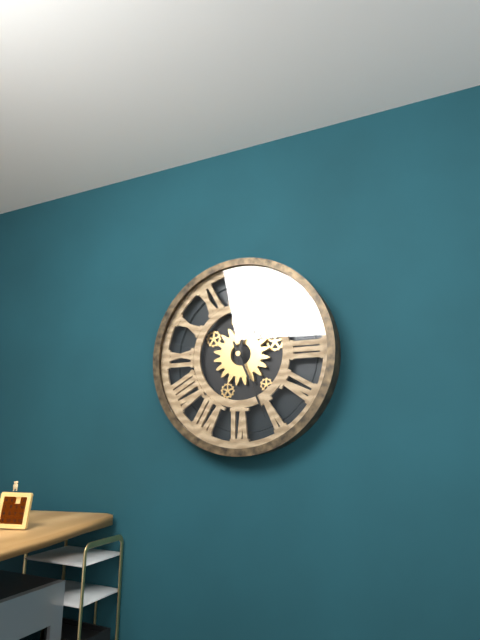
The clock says 12:26
